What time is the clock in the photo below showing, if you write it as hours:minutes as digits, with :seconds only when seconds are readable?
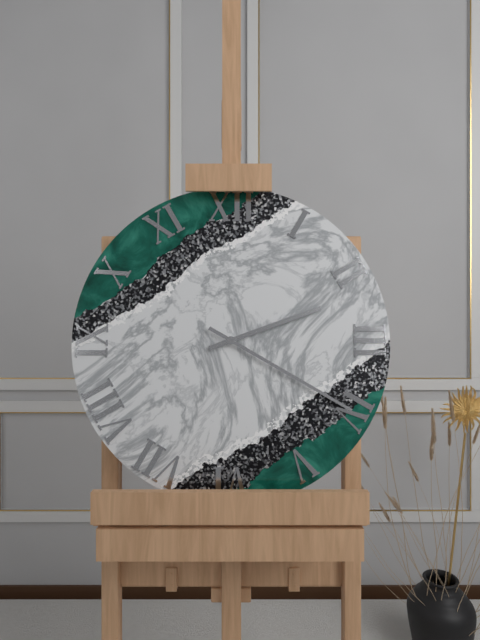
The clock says 2:20
